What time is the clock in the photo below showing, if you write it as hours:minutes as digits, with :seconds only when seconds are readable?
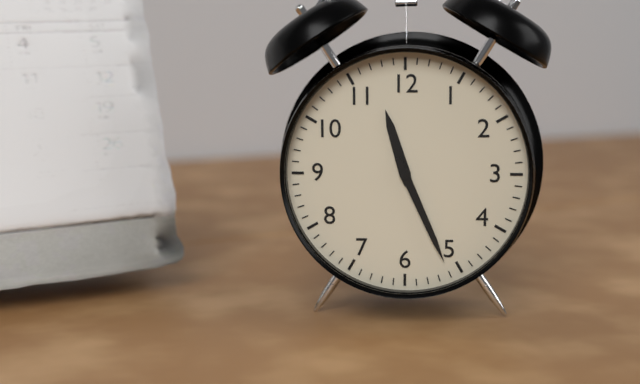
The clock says 11:26
